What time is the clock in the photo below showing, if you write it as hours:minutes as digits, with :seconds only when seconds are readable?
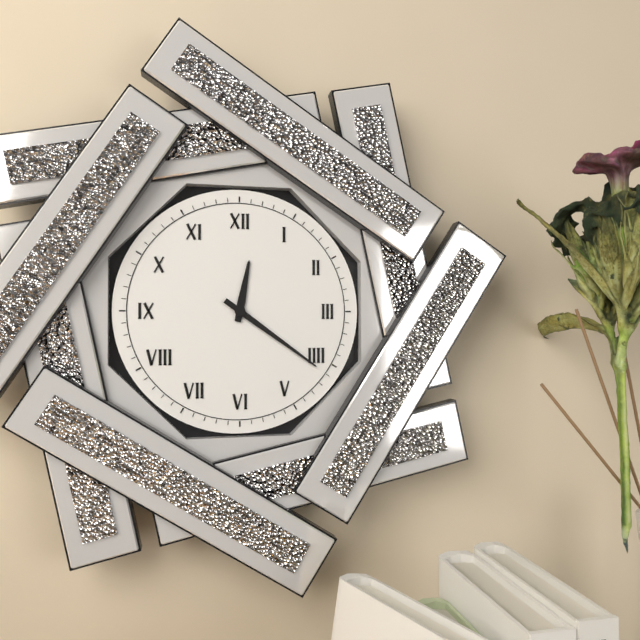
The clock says 12:21
